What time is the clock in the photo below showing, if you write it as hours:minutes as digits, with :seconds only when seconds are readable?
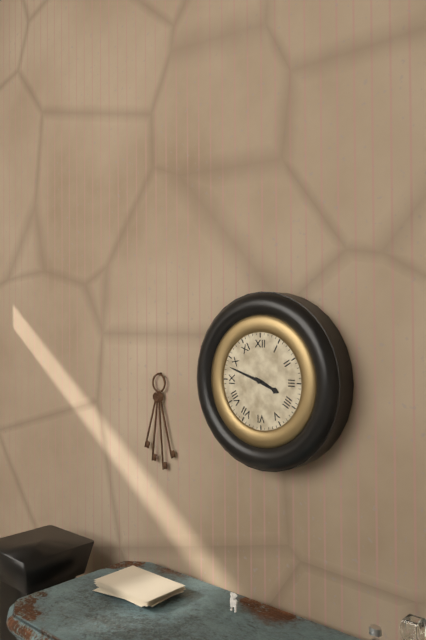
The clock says 3:48
